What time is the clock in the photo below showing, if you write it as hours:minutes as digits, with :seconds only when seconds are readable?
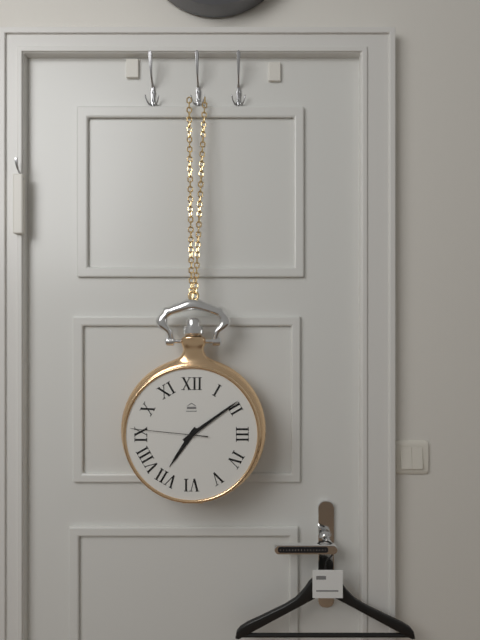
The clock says 7:09:46
